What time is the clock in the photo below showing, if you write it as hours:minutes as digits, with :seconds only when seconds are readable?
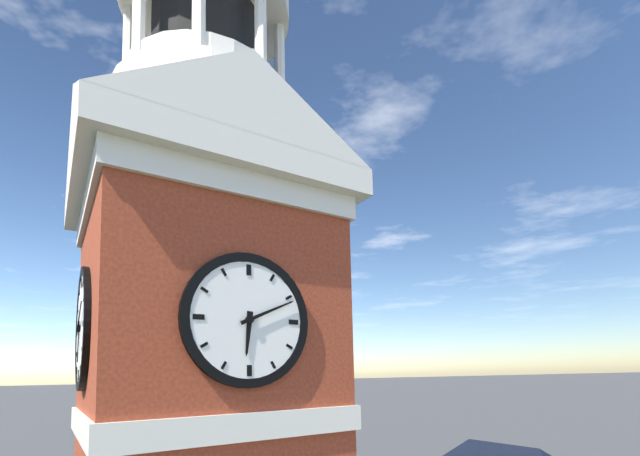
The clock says 6:11
